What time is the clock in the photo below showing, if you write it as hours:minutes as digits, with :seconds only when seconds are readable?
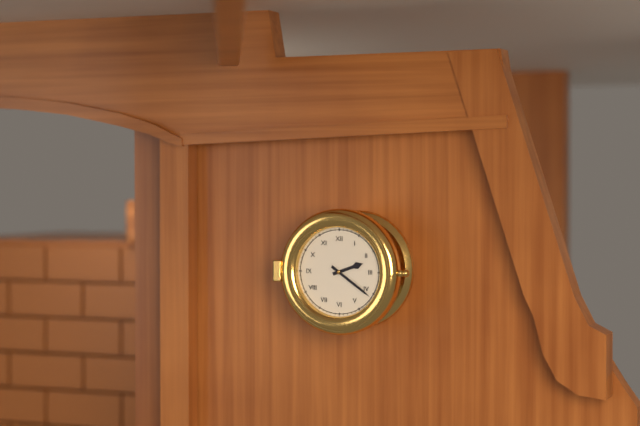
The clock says 2:21
